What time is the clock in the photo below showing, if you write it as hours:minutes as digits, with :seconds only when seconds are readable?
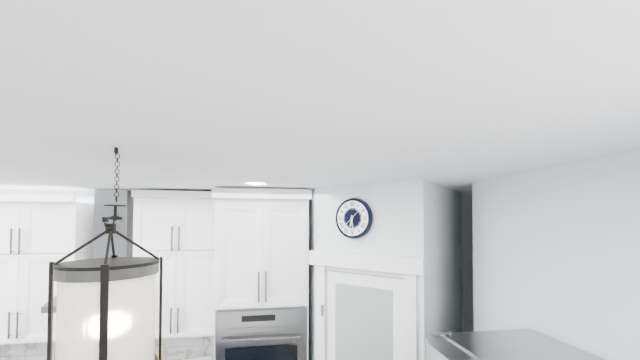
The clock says 6:29
